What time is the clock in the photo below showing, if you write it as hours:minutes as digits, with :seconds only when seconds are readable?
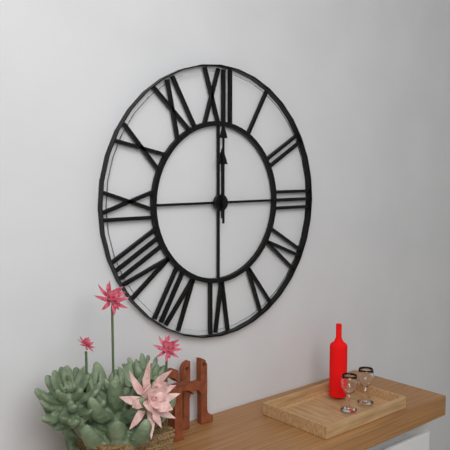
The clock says 12:00
